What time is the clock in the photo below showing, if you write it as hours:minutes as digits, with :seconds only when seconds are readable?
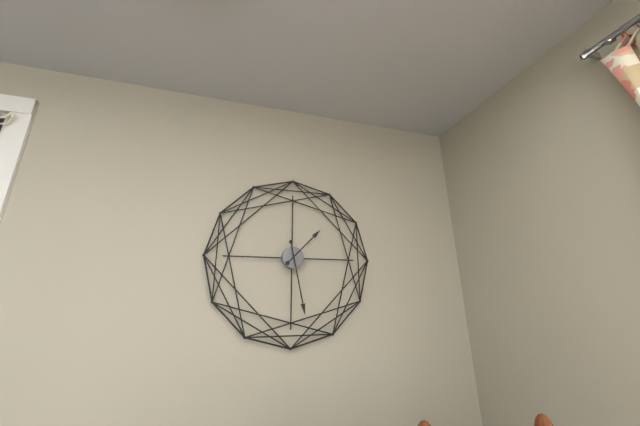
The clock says 1:28
